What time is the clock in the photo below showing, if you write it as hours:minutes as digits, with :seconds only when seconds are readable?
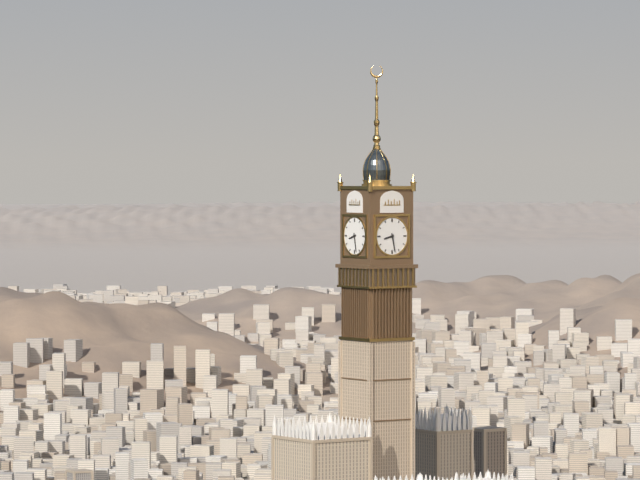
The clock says 8:28
